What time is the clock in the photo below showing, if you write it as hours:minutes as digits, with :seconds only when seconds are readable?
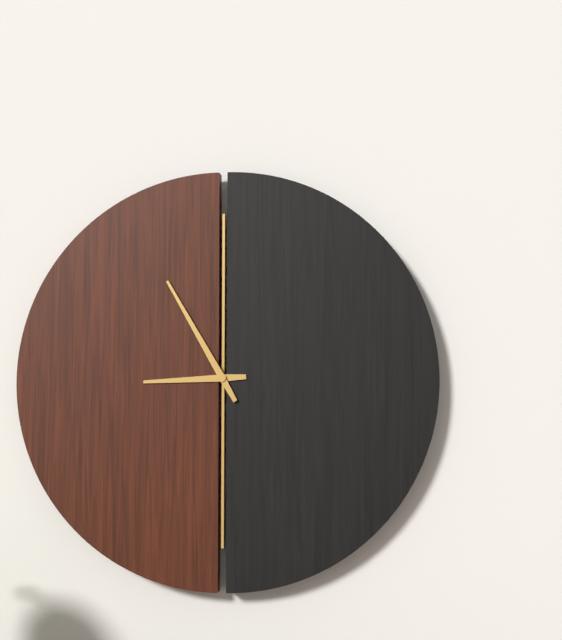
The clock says 8:55
